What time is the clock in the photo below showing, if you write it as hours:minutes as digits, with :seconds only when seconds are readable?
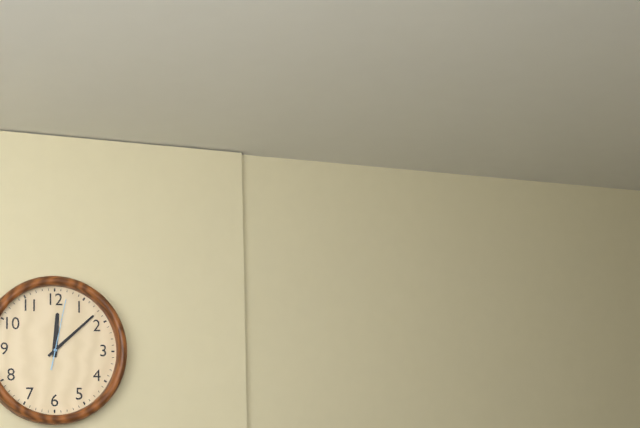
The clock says 12:08:02
